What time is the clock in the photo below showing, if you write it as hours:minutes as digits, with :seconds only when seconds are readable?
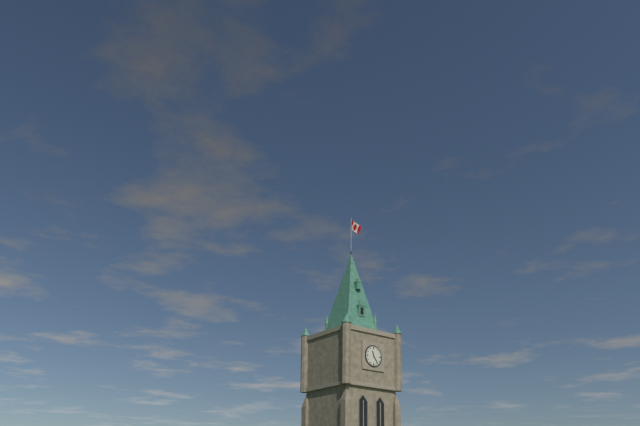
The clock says 11:24
